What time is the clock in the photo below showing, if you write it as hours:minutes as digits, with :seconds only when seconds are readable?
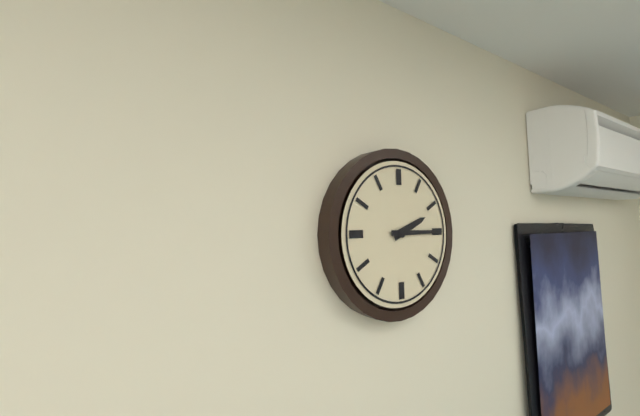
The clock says 2:15
